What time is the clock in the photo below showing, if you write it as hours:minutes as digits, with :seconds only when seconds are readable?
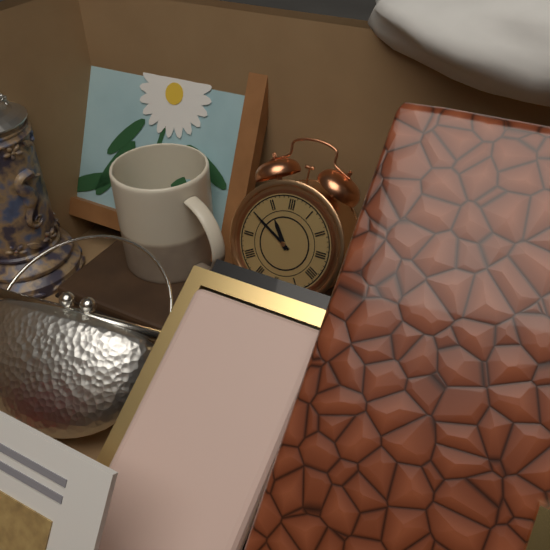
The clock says 10:50
